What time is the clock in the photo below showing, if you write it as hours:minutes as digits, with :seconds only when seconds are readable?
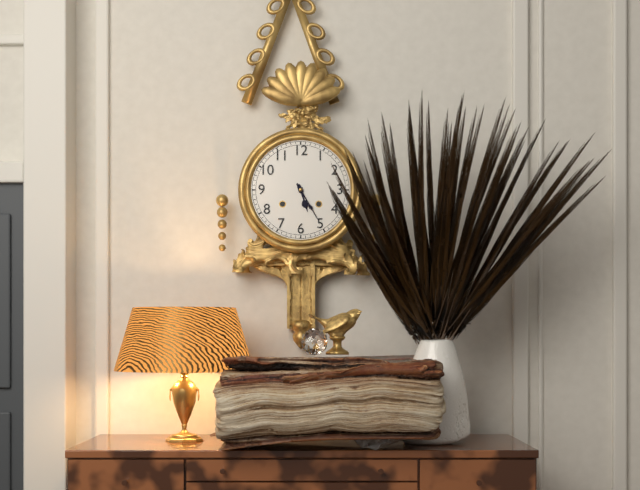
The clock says 5:25
